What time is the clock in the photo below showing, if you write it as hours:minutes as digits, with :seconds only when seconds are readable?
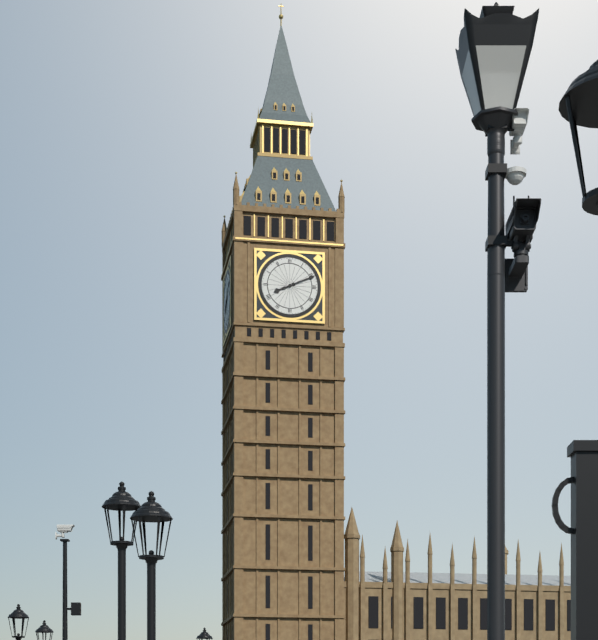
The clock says 8:11
